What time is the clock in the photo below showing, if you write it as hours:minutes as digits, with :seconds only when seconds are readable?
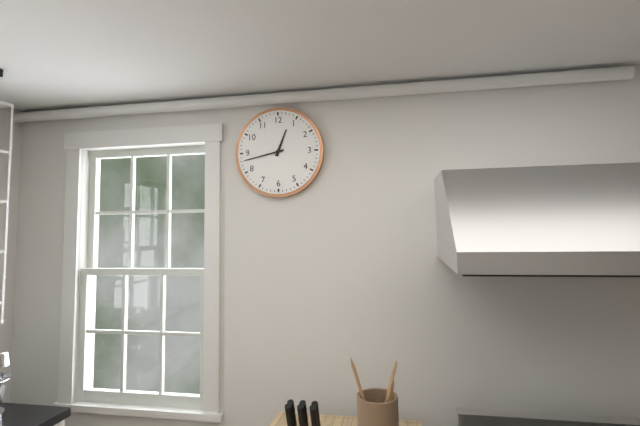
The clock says 12:43
